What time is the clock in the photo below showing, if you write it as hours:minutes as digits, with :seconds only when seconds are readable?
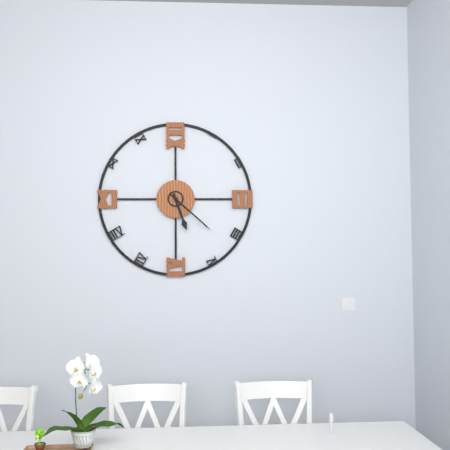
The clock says 5:22
